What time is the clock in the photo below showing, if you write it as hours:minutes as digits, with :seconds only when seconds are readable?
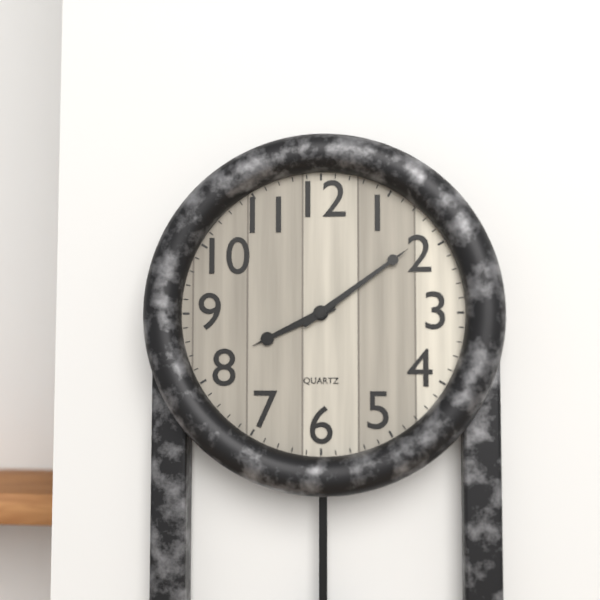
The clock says 8:09
